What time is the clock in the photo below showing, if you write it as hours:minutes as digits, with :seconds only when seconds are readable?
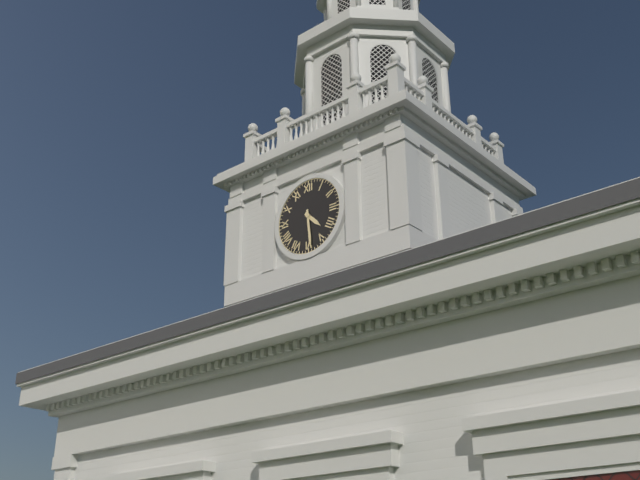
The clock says 4:29
